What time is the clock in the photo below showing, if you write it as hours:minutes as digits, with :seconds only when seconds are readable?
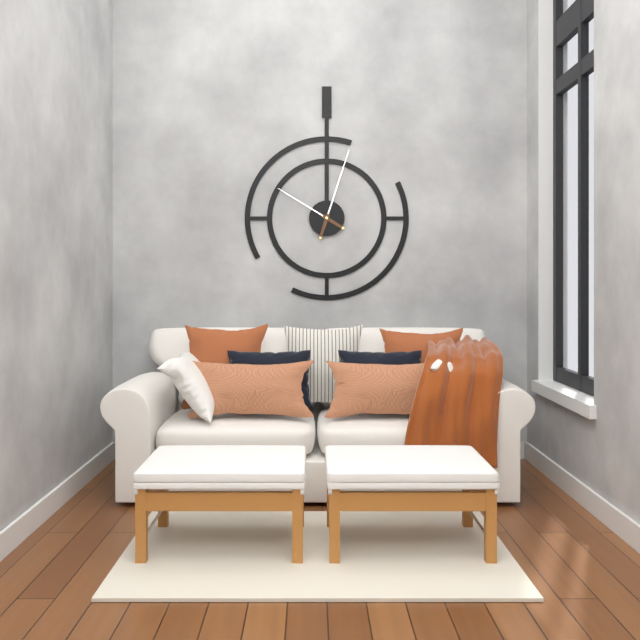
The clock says 10:03
